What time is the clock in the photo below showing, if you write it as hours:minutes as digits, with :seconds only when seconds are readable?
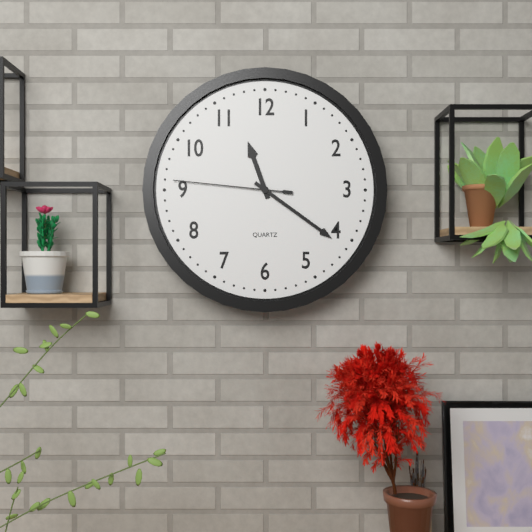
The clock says 11:21:46
